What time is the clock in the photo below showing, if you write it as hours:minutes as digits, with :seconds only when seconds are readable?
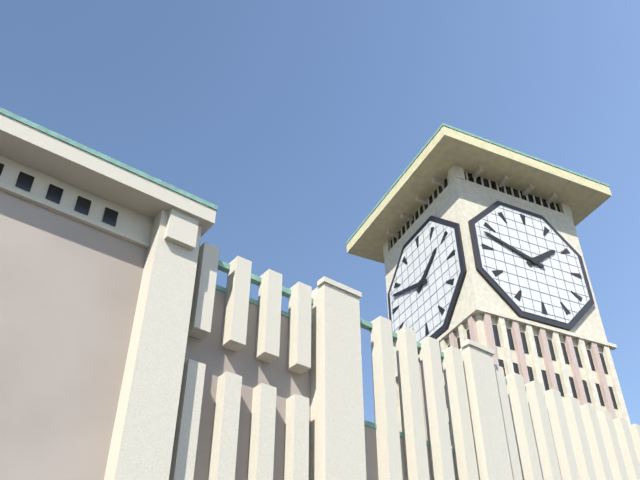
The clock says 1:48
